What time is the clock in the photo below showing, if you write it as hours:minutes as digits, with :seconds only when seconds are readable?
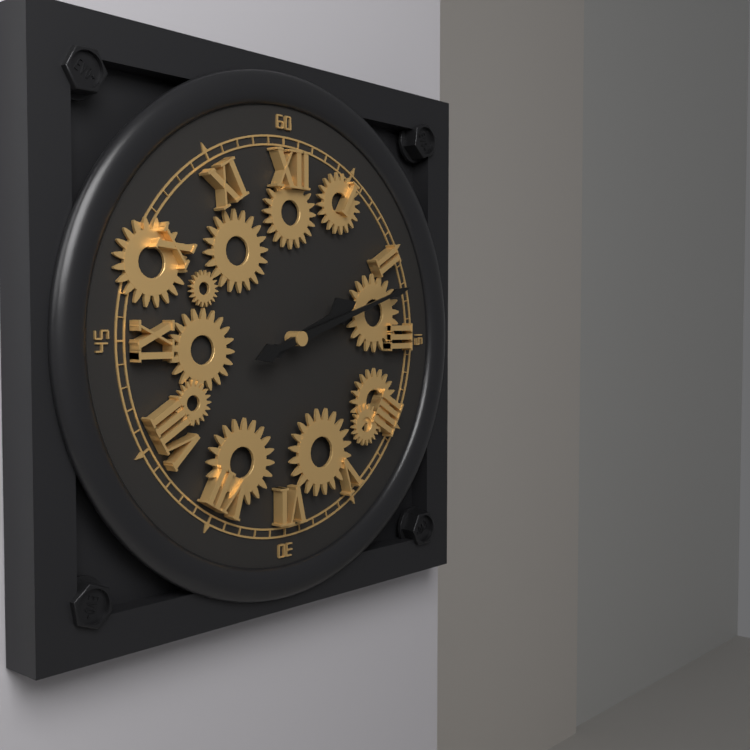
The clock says 2:12
